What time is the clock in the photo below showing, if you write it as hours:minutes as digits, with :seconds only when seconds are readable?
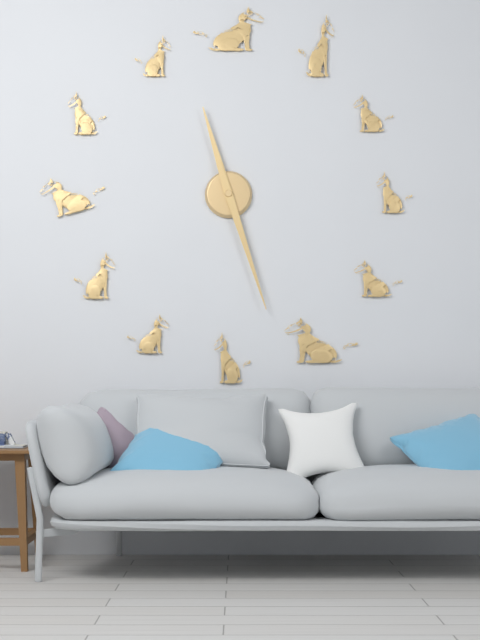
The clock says 11:27
